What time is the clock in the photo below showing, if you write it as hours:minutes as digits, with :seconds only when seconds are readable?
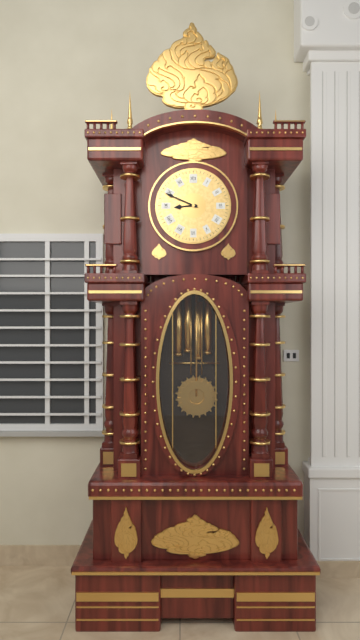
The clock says 8:49
